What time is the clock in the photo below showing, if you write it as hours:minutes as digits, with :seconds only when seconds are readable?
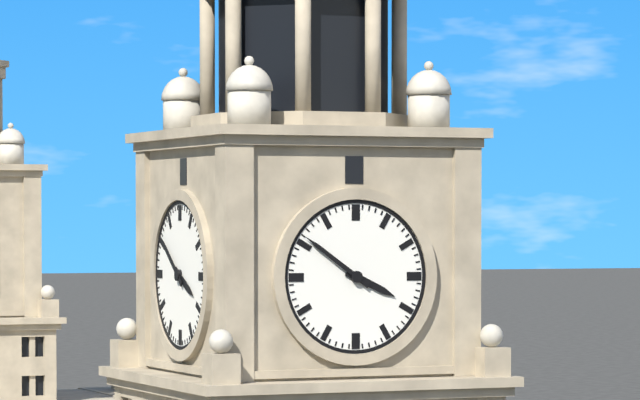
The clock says 3:51
